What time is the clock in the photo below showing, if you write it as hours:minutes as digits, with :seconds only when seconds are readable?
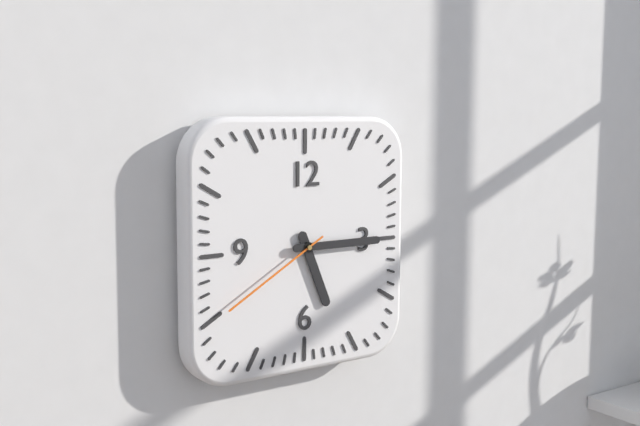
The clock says 5:15:40
